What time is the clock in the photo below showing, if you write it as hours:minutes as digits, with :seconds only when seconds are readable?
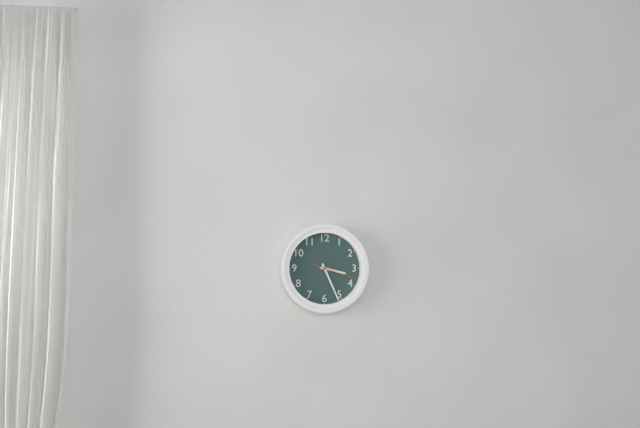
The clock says 3:26
